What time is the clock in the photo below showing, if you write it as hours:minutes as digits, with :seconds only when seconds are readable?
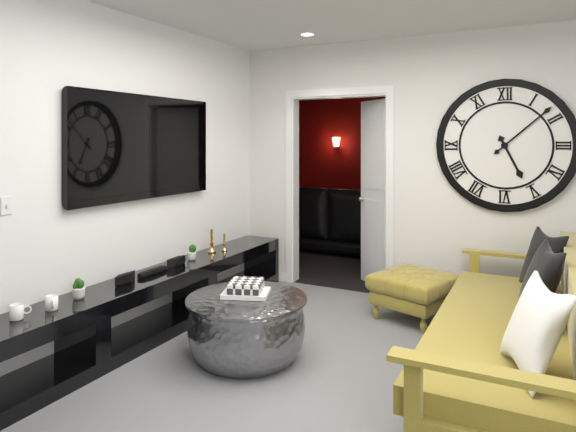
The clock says 5:08
